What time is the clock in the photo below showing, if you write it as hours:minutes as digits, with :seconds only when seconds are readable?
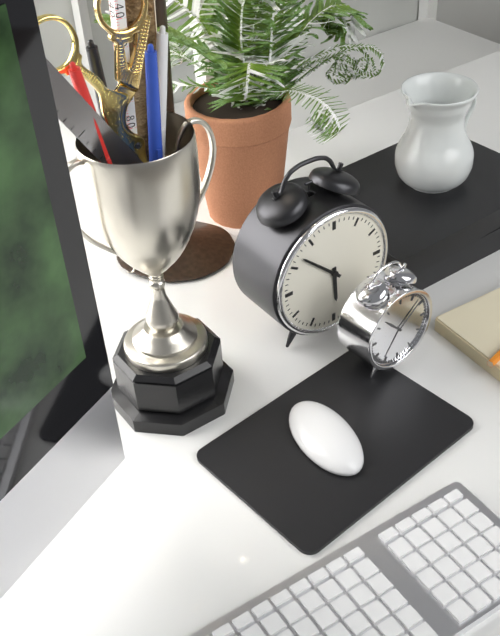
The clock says 5:52
